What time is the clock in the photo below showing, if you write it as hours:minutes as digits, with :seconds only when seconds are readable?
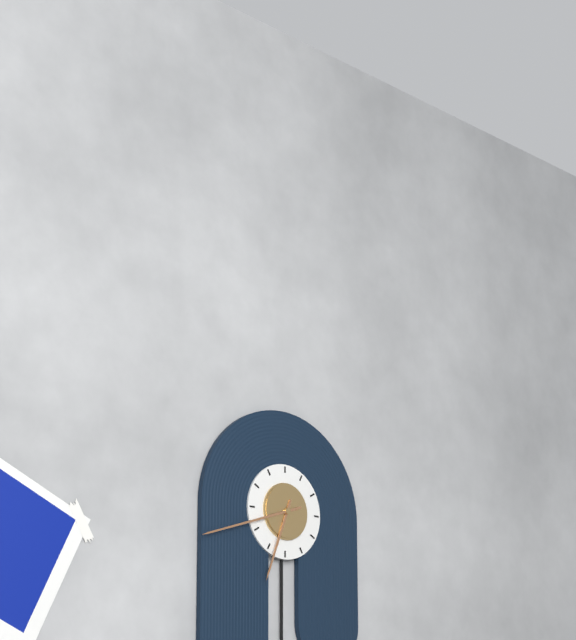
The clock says 6:42
